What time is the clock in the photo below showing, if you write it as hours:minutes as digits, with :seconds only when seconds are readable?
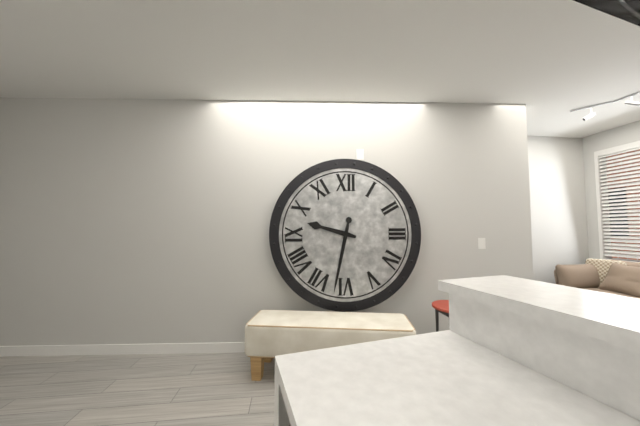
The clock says 9:32
